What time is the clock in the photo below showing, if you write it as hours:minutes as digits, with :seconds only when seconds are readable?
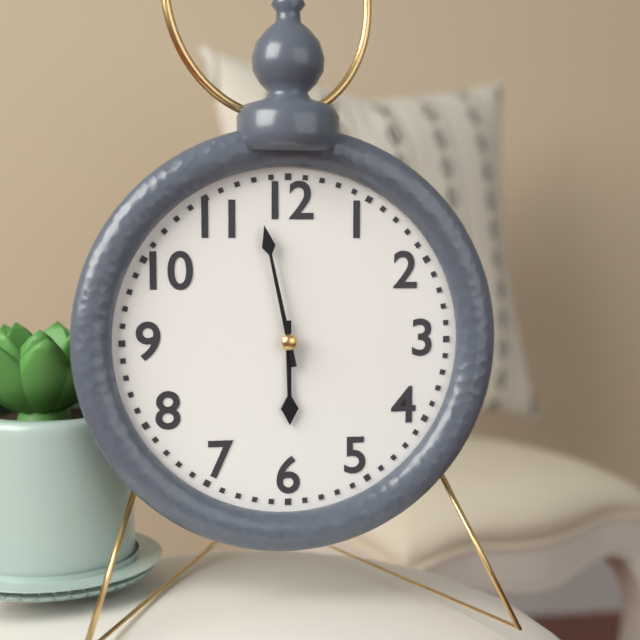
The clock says 5:58
